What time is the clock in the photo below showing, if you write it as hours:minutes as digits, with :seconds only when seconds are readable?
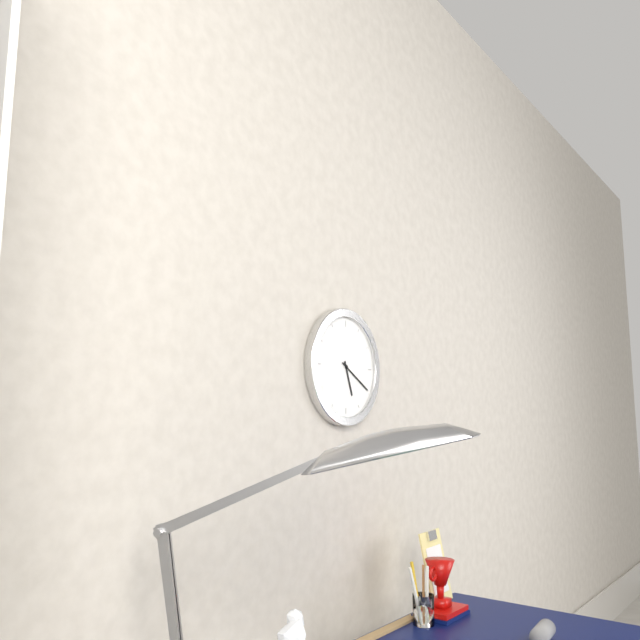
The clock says 5:20
